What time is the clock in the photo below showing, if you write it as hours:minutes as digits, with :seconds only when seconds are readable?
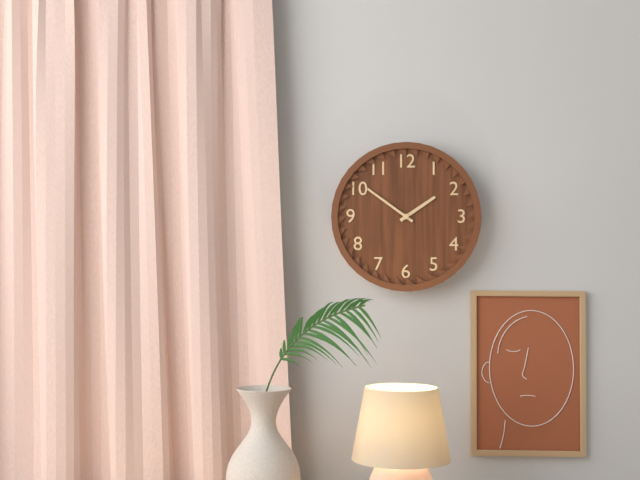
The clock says 1:51
